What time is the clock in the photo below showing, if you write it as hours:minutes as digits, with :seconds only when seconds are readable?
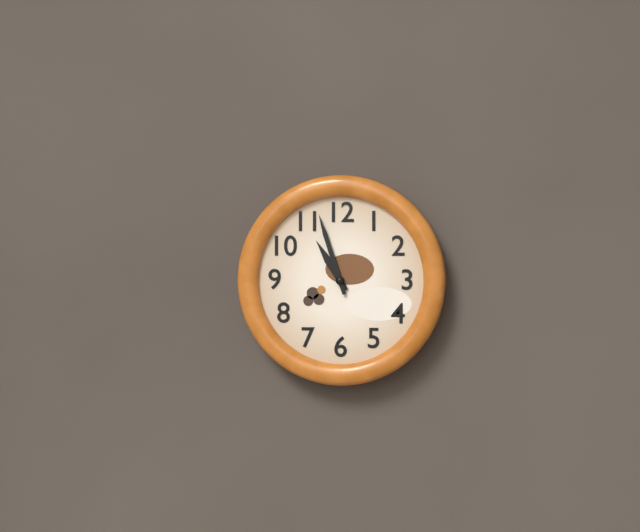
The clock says 10:57
